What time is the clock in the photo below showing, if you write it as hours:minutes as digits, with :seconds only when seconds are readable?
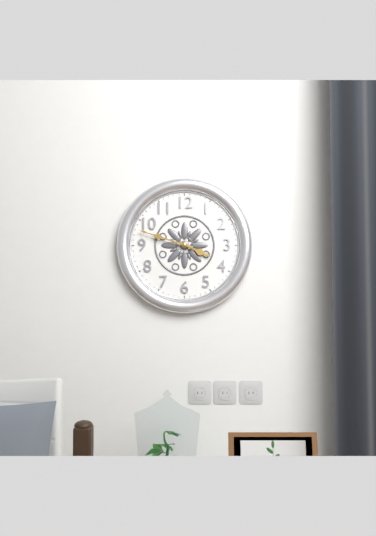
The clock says 3:48
